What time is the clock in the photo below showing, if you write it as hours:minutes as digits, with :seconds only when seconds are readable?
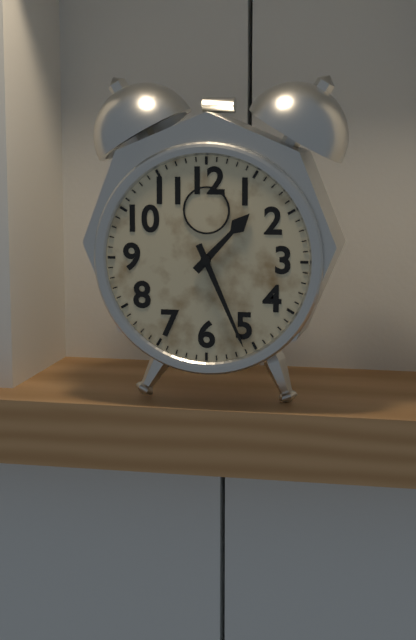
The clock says 1:26
